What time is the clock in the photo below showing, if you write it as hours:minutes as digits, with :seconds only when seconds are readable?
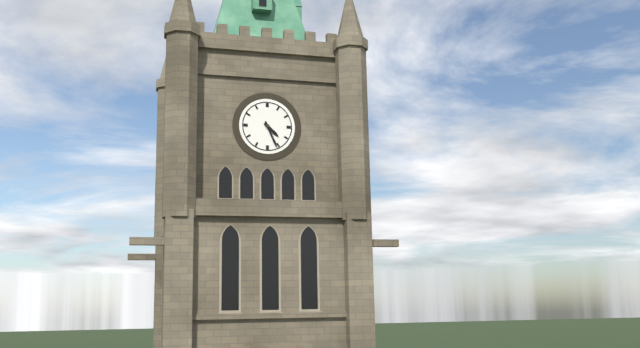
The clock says 4:26
